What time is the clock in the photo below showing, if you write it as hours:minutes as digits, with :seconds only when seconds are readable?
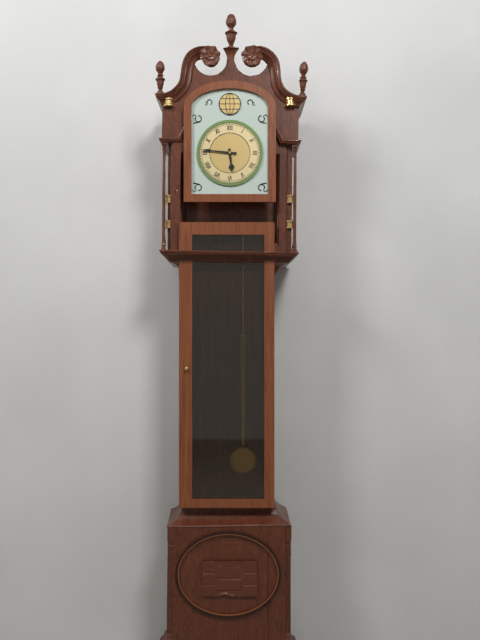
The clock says 5:46
